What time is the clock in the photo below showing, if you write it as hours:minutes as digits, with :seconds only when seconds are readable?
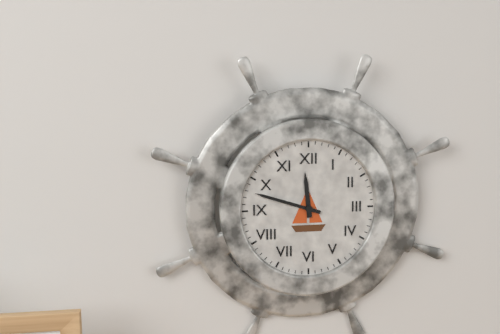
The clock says 11:48
